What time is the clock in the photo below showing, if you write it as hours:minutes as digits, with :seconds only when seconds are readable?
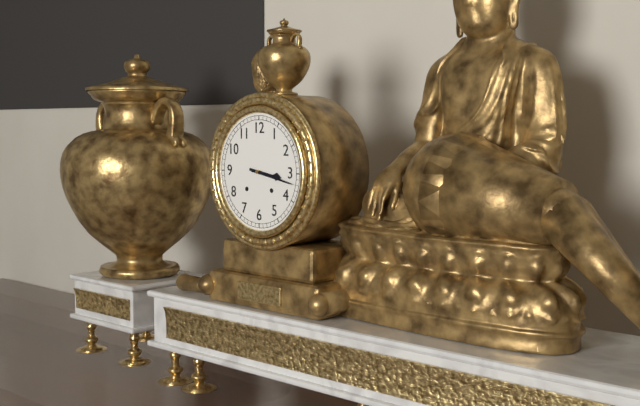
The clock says 3:17
